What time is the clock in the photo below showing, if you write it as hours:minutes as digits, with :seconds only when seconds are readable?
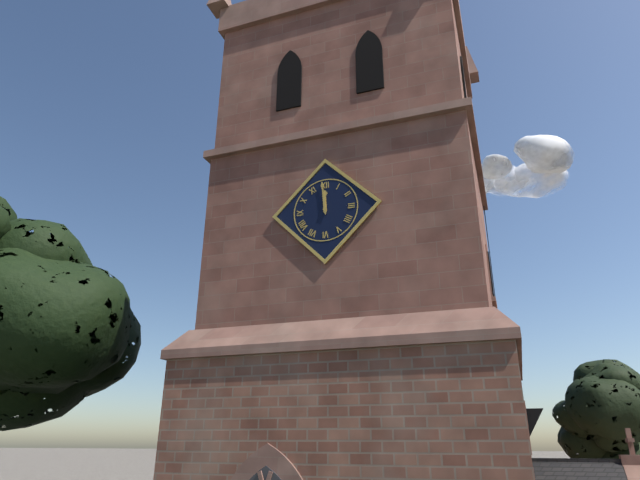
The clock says 11:59
